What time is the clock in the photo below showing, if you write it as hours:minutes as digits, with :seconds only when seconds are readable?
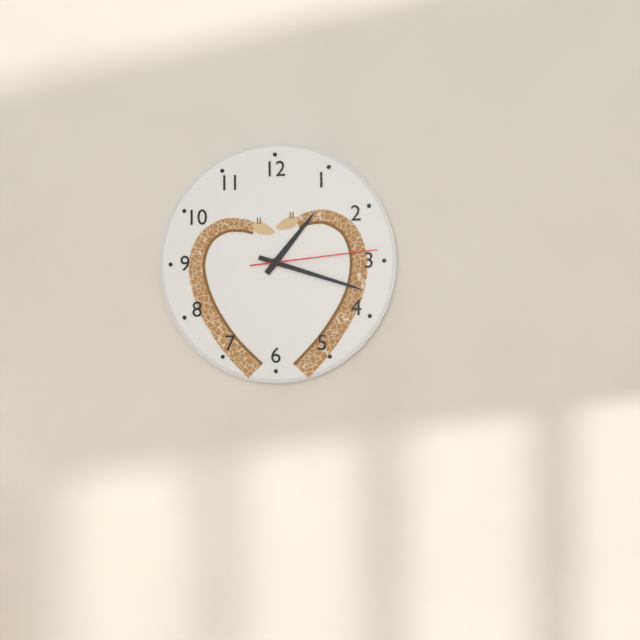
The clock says 1:18:14
